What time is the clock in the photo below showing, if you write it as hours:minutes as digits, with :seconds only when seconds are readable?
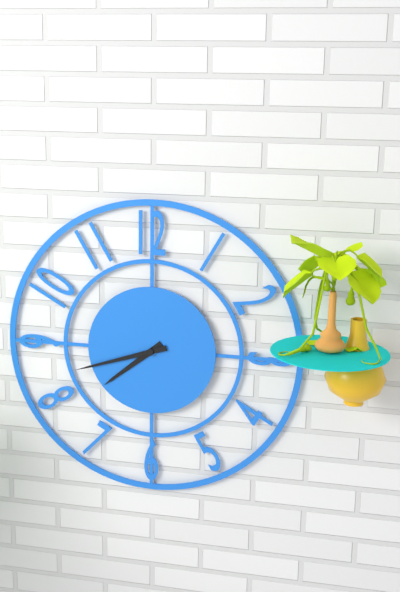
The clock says 7:42
